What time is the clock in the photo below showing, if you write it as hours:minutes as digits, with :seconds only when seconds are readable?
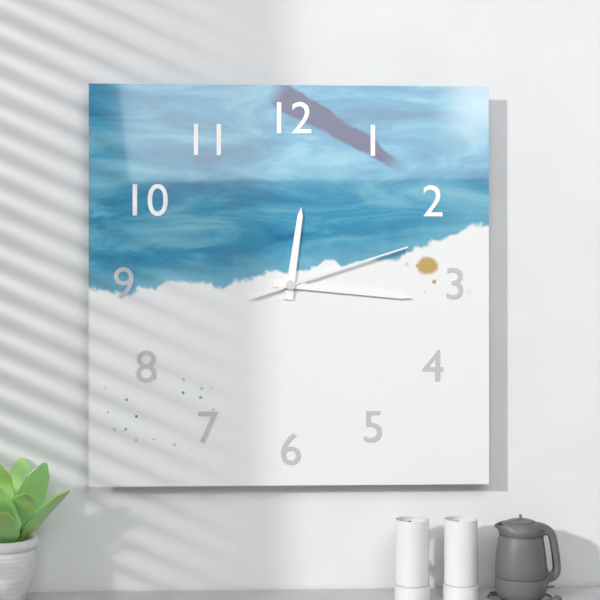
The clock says 12:16:12
